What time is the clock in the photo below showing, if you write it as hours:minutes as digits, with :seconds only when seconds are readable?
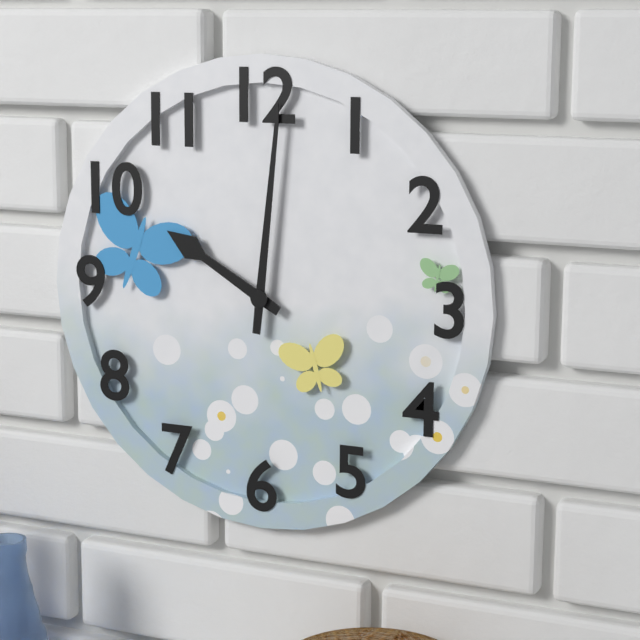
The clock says 10:01
